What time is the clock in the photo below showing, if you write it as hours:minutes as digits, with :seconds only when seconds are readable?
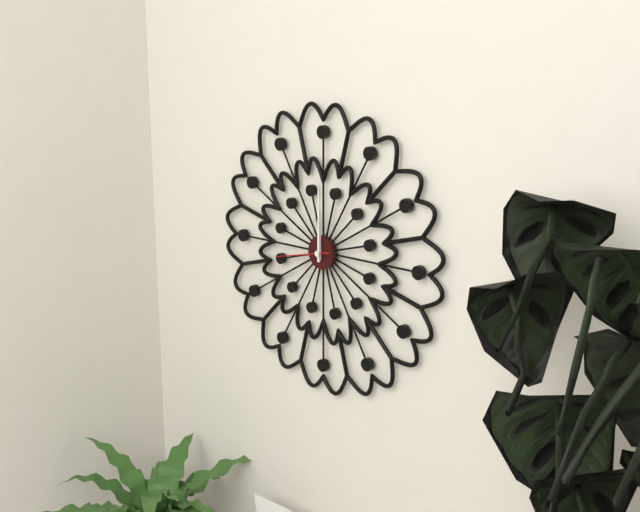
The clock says 12:00:43
